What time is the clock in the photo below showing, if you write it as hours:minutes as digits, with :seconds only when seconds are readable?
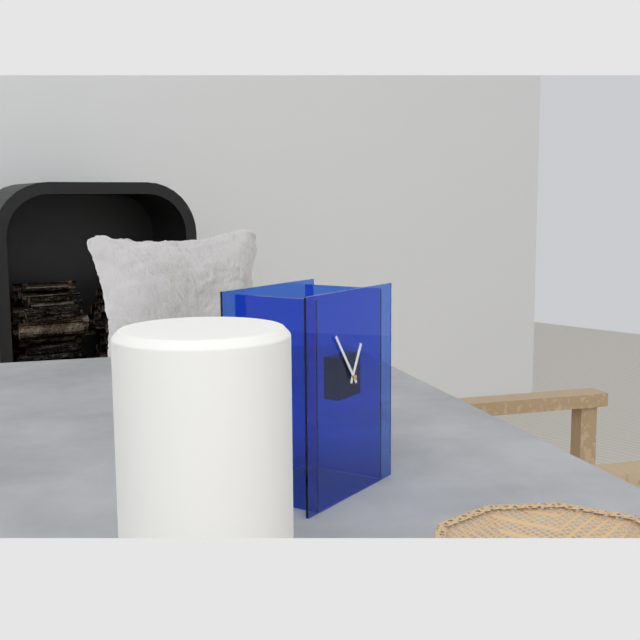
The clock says 12:54
